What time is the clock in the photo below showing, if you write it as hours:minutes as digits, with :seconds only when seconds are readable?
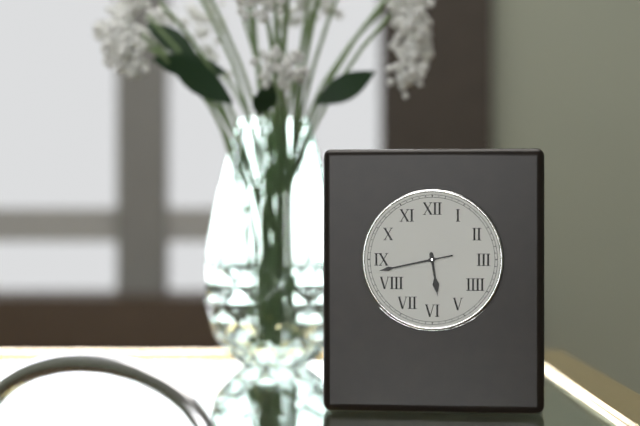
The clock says 5:43
